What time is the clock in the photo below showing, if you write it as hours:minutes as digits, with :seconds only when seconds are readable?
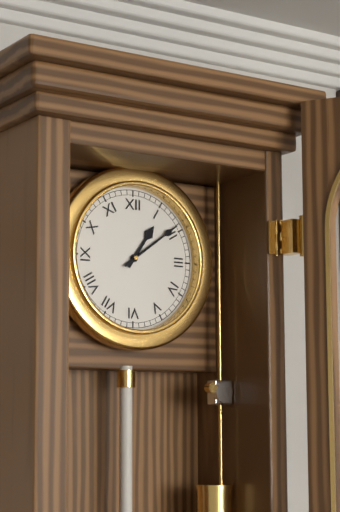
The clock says 1:09
